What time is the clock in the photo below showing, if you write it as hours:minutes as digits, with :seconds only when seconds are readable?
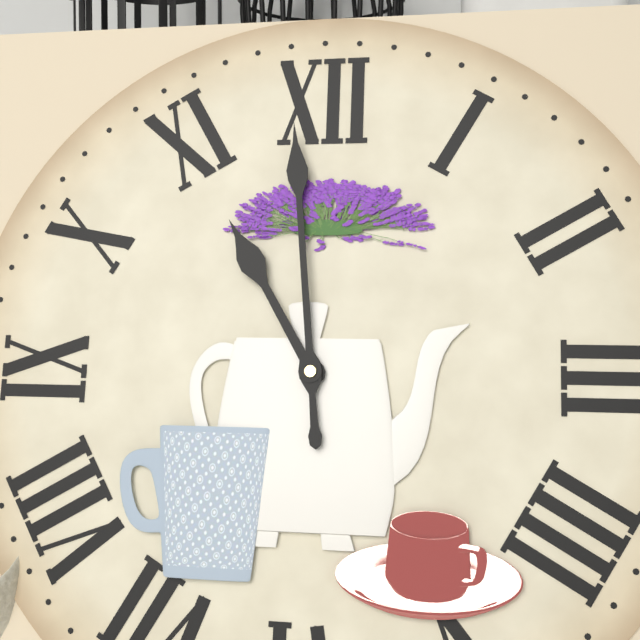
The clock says 10:59
